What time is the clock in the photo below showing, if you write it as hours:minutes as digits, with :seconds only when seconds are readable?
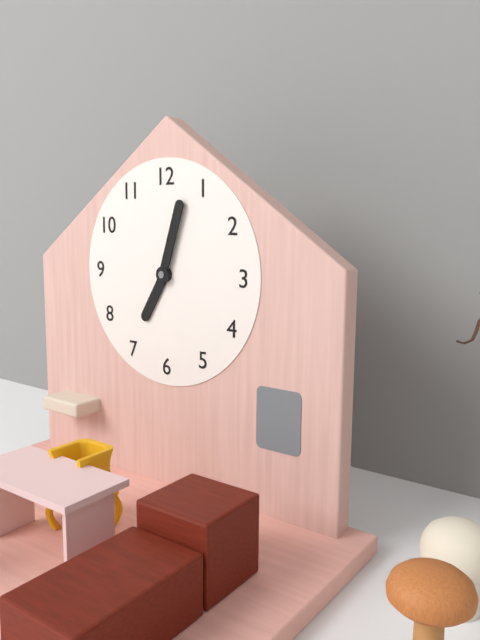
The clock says 7:03
